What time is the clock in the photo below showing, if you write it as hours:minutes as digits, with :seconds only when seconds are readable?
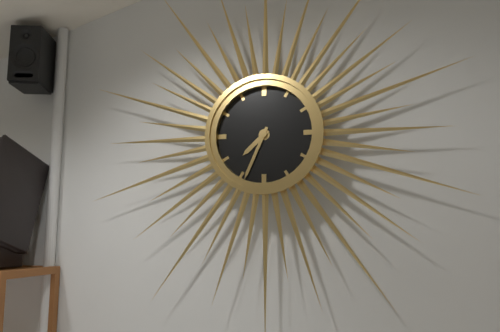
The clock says 7:34
